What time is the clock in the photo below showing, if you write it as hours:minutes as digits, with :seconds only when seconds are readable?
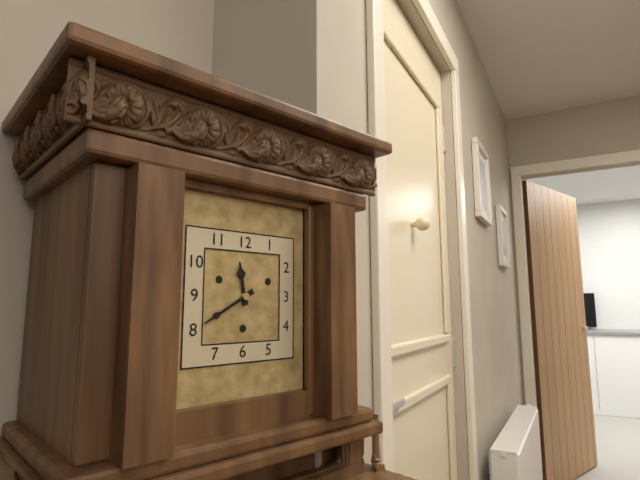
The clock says 11:40
